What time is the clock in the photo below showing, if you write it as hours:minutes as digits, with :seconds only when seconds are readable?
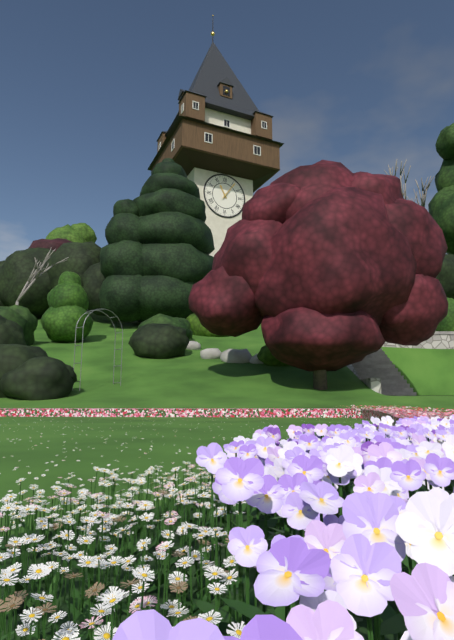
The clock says 11:06
